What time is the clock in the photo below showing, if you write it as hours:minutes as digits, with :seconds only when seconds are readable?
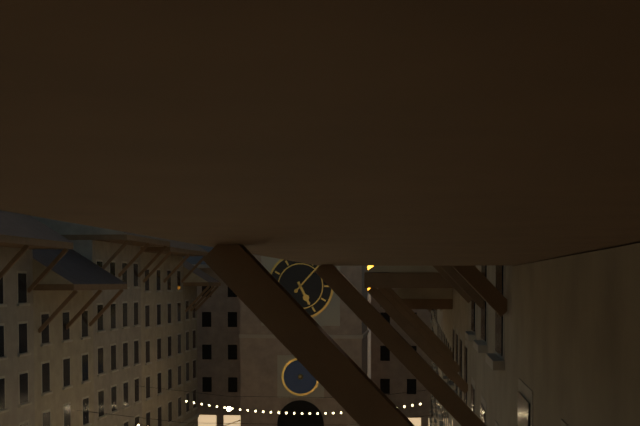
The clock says 5:07
